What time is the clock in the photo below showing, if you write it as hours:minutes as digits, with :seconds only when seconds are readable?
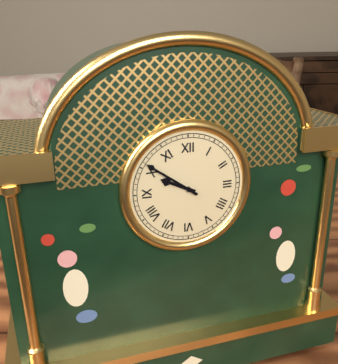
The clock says 9:51
